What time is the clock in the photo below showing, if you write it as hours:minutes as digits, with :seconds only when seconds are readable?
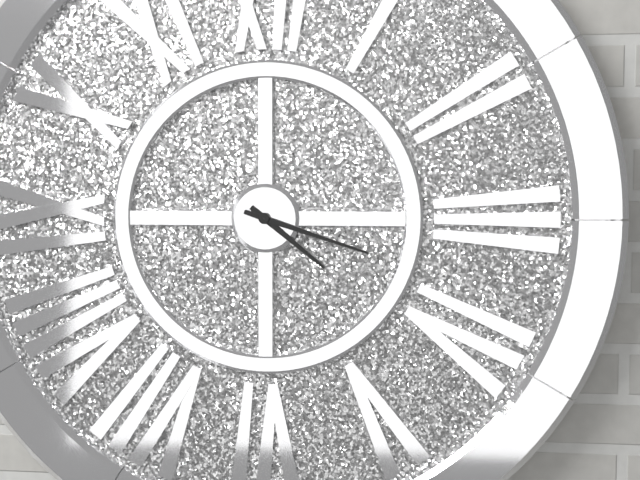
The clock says 4:18
